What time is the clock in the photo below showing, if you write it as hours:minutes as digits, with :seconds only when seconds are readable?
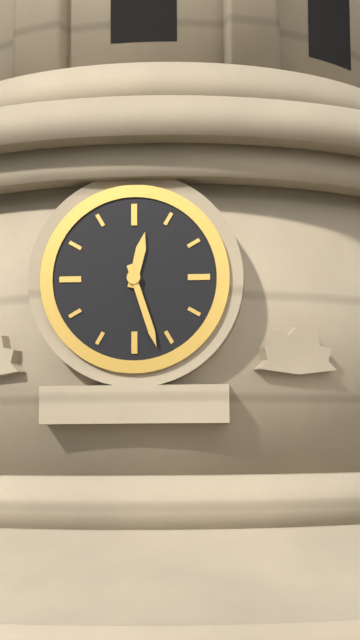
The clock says 12:27
